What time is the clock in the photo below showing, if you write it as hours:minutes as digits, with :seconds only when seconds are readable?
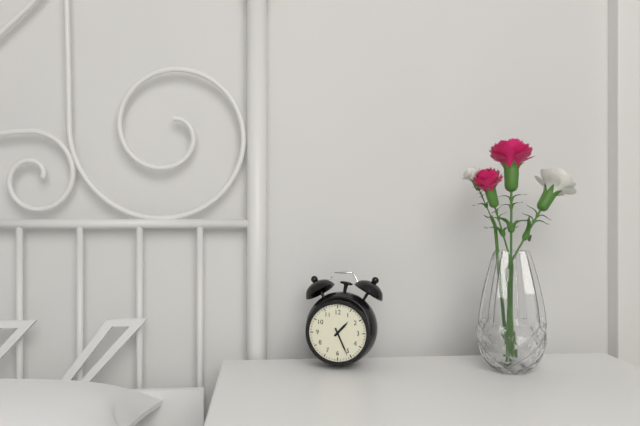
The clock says 1:26
